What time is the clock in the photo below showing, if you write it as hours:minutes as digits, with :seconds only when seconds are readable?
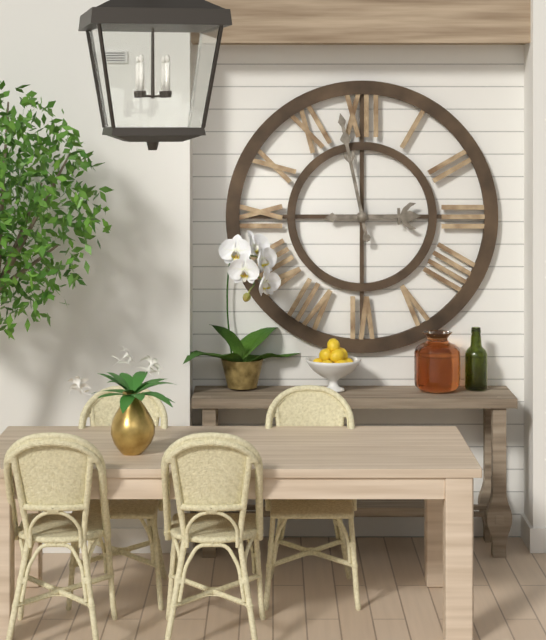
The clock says 2:58
